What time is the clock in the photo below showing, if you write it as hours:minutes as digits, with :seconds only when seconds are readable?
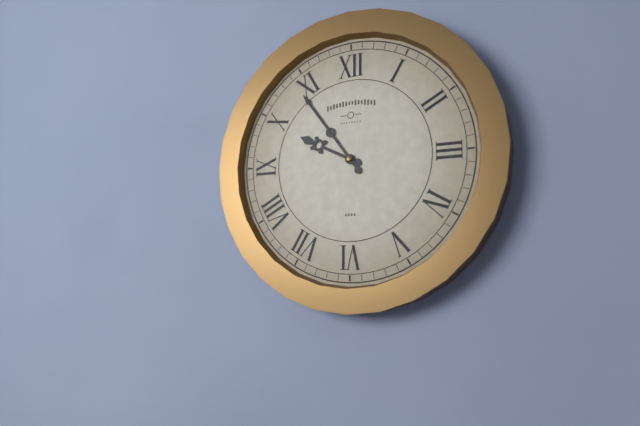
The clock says 9:54
